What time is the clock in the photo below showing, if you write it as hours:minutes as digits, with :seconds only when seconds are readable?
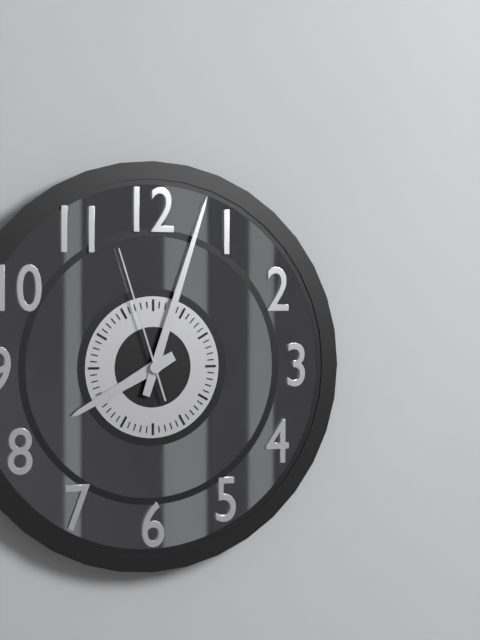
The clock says 8:03:57
